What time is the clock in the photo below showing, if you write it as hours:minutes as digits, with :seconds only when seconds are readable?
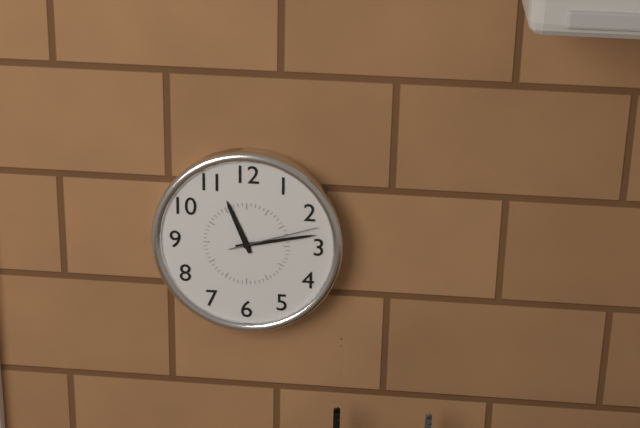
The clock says 11:13:12
